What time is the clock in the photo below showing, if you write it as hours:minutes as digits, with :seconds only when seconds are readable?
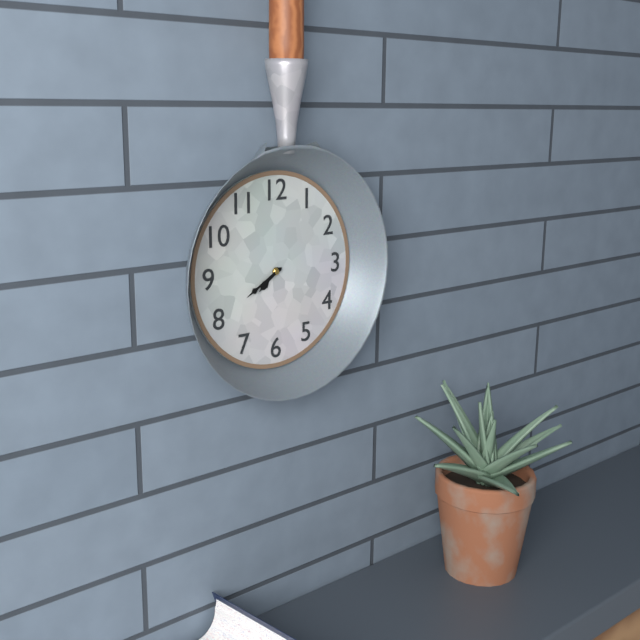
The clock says 7:40
